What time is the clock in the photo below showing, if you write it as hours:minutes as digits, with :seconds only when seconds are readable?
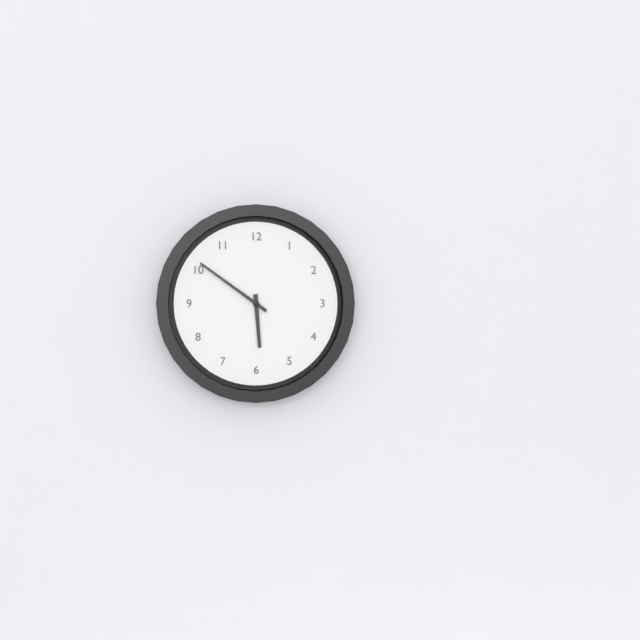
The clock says 5:51
